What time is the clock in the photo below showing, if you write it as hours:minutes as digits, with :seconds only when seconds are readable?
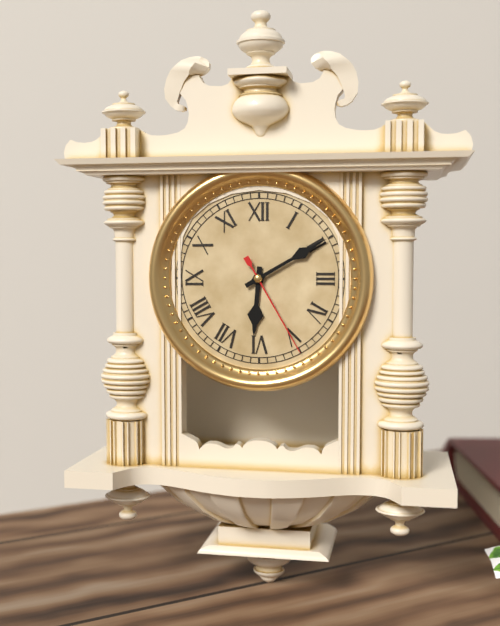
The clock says 6:10:25
